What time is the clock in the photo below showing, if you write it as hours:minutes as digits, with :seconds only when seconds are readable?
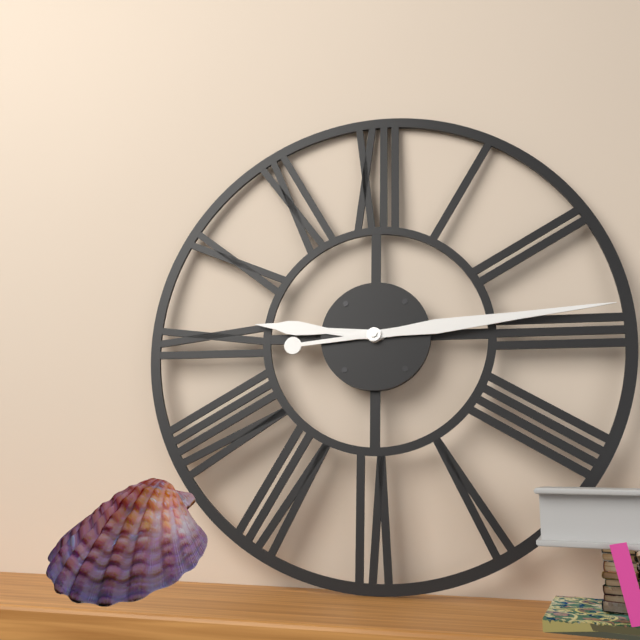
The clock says 9:14
